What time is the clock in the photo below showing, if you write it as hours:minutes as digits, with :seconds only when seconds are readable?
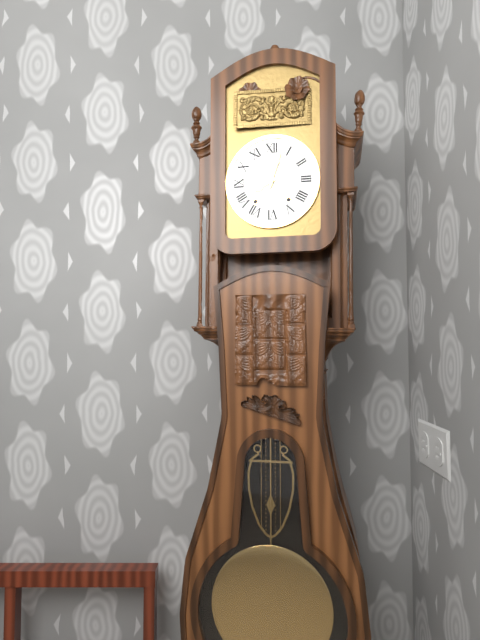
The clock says 8:03
